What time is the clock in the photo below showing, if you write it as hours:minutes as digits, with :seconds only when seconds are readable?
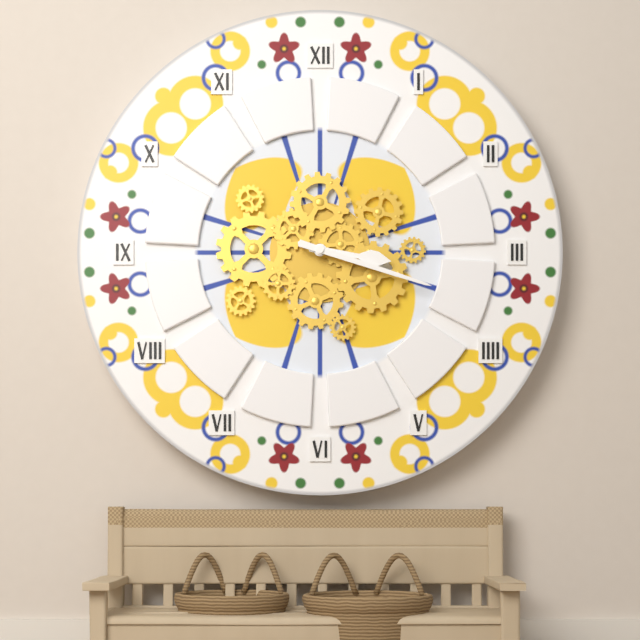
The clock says 3:18
